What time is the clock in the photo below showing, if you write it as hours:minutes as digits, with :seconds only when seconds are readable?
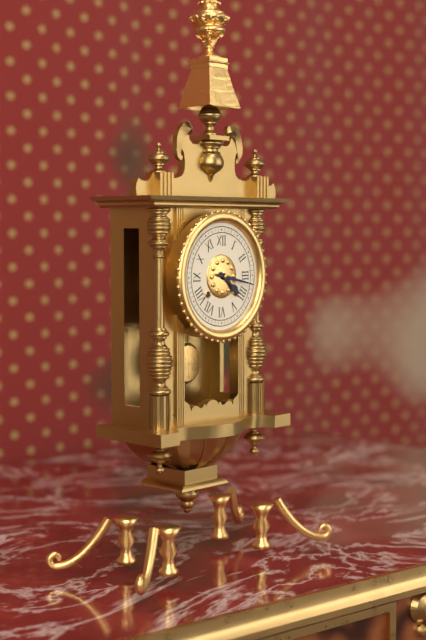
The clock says 4:17
